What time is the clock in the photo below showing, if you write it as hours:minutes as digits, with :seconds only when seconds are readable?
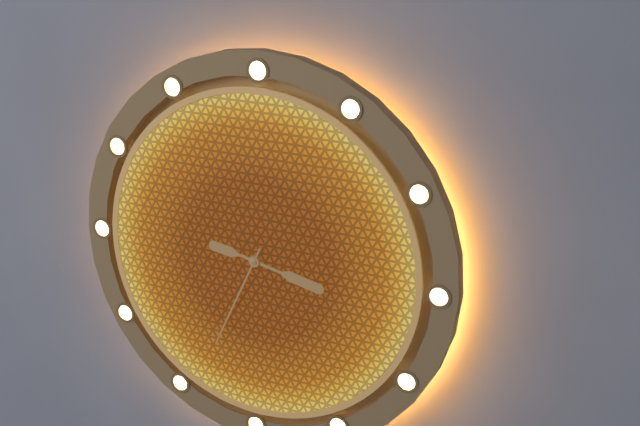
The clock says 9:17:34
